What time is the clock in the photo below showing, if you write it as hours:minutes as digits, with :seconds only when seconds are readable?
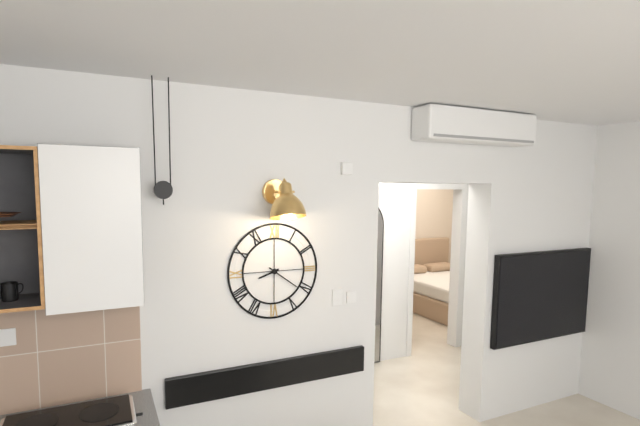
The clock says 8:21
